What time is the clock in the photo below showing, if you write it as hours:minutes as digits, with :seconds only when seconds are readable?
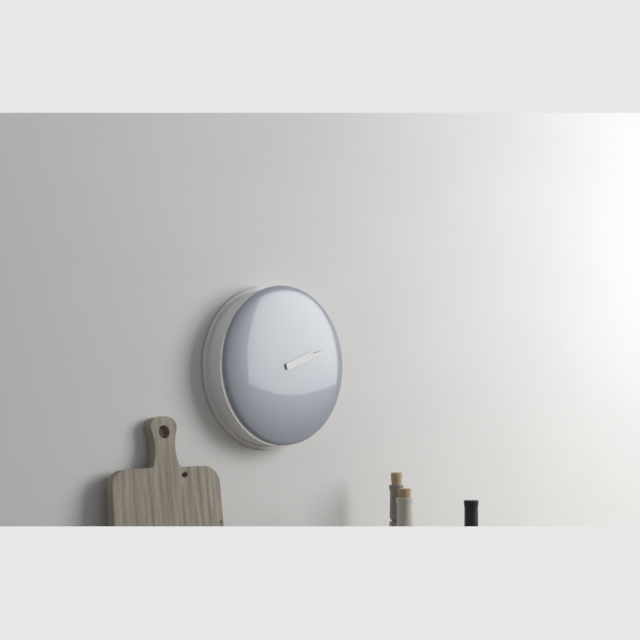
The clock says 2:12
